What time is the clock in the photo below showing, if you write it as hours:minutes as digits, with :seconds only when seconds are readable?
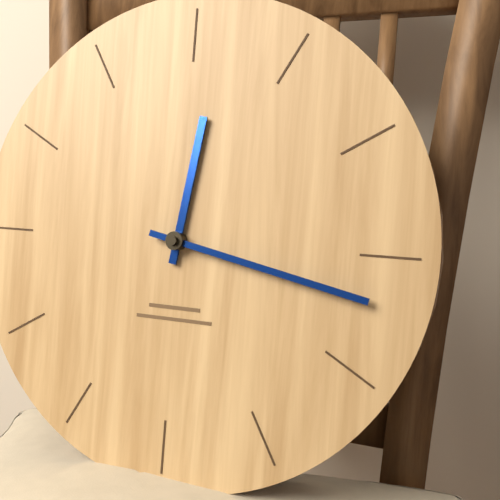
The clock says 12:17
